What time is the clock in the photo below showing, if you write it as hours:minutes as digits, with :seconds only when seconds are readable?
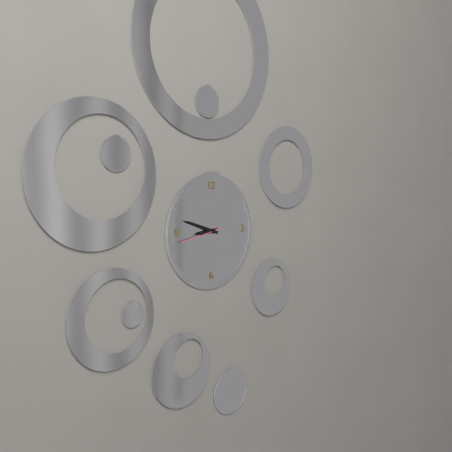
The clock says 8:48
